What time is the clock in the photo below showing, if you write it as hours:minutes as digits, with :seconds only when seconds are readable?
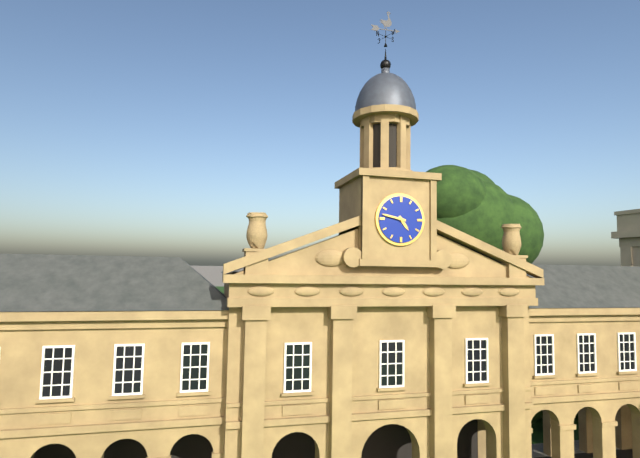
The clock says 4:47
